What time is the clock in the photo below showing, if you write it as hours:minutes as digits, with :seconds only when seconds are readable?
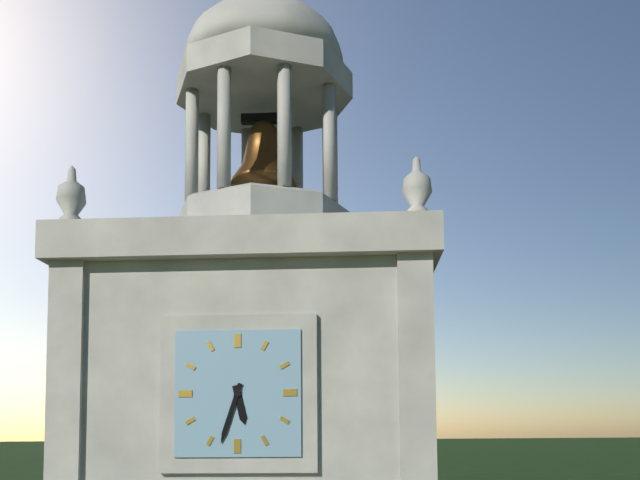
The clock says 5:33
